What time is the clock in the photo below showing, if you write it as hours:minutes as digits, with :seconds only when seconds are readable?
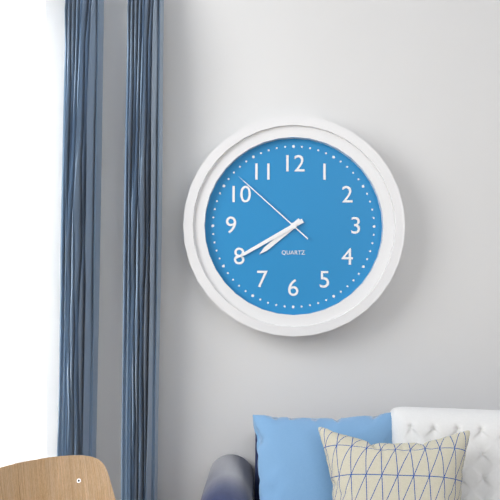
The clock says 7:40:52
